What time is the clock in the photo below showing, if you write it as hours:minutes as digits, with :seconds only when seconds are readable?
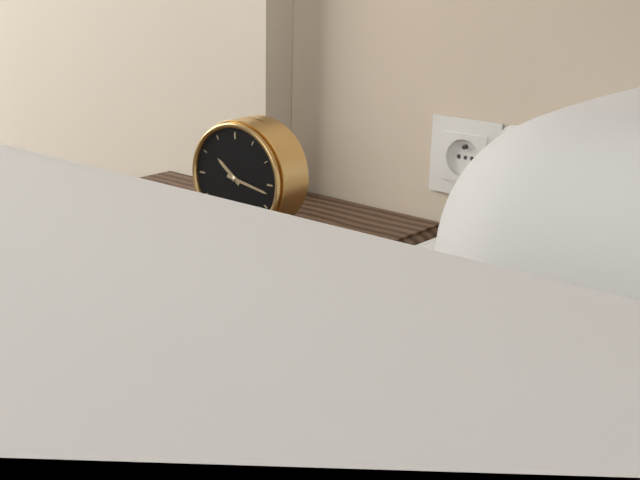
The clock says 10:17
